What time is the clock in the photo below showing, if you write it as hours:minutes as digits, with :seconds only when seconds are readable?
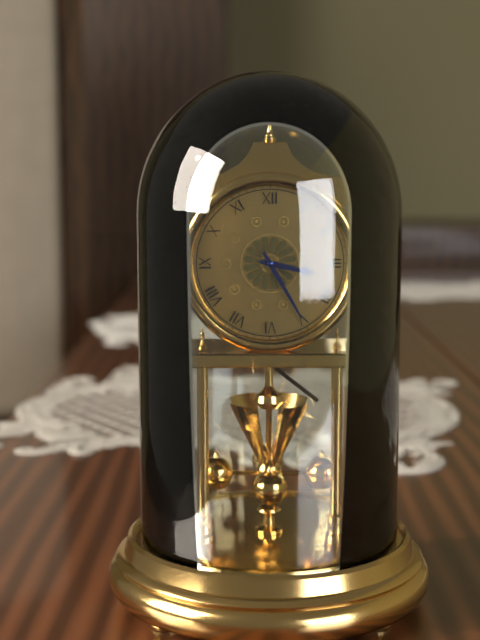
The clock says 3:25
